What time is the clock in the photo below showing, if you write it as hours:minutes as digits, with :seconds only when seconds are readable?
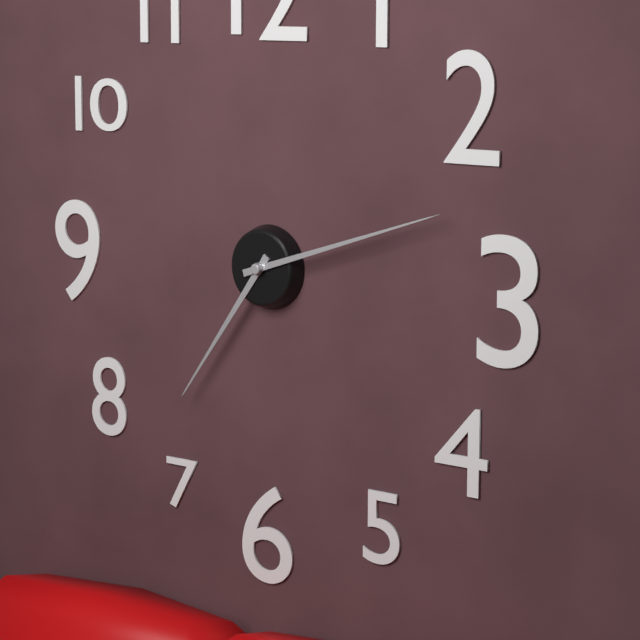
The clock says 7:12
